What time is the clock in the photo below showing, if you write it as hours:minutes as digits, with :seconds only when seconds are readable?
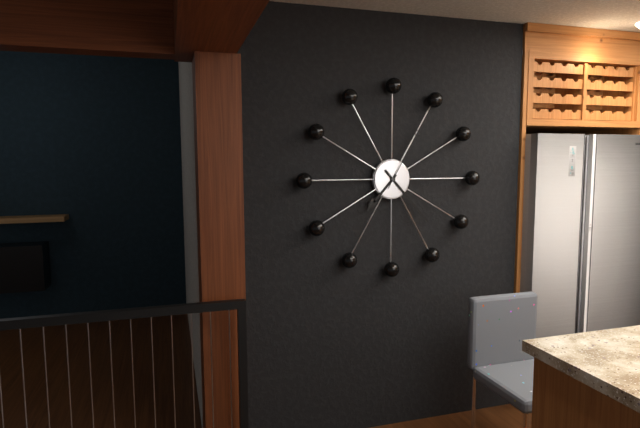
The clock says 7:23:05
